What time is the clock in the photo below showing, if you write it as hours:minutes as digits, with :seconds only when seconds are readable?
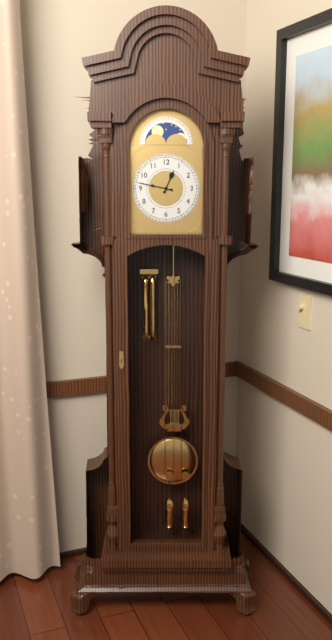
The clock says 12:47
